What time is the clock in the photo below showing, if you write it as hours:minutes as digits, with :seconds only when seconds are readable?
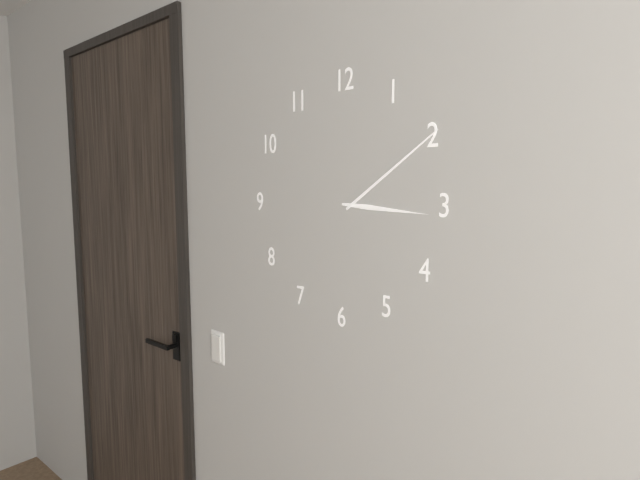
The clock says 3:09
